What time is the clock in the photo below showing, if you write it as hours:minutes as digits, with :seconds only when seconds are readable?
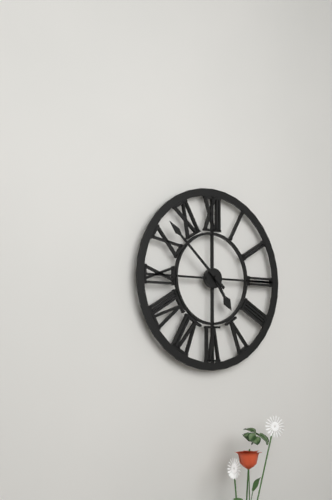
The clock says 4:52
